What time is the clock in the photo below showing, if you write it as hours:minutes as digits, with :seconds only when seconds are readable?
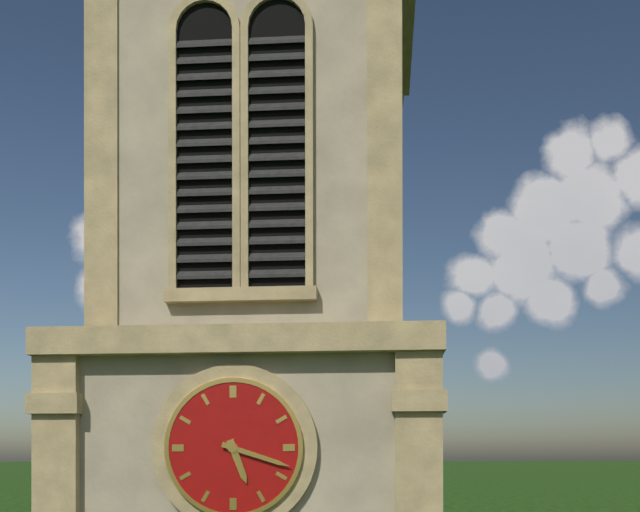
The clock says 5:18
